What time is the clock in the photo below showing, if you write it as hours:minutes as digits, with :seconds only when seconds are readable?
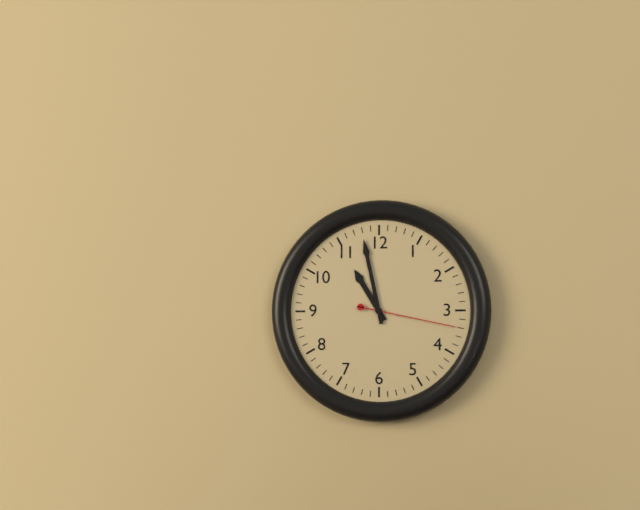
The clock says 10:58:17
